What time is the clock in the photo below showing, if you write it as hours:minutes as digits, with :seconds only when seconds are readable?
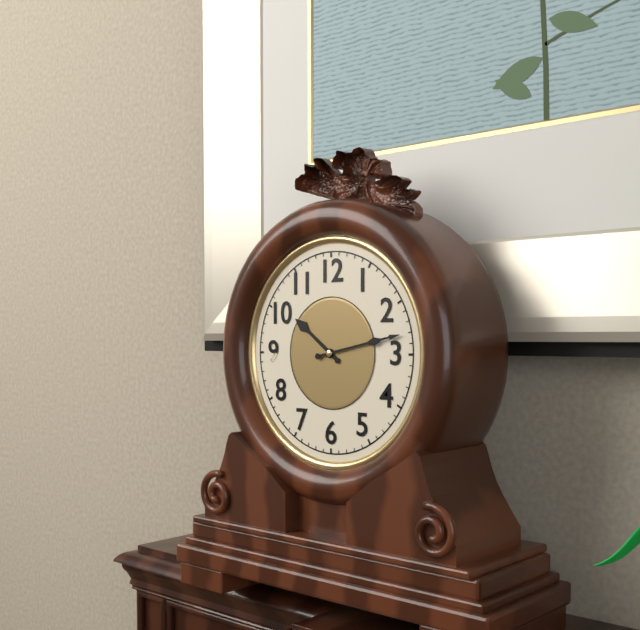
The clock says 10:13
